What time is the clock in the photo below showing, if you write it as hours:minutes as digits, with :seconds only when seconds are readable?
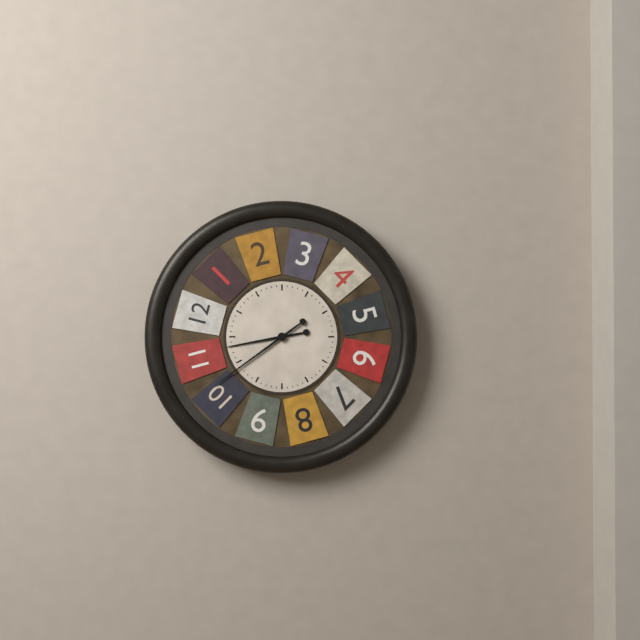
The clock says 8:39
